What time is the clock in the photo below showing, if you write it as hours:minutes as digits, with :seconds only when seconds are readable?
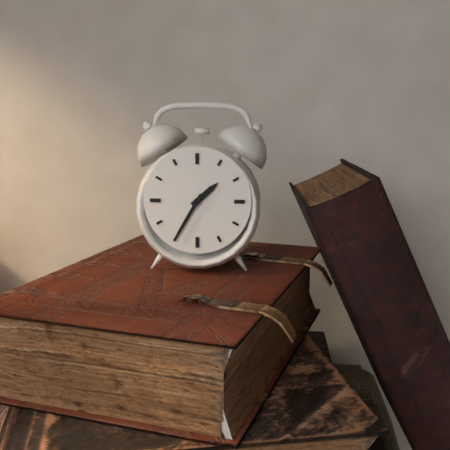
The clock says 1:35
